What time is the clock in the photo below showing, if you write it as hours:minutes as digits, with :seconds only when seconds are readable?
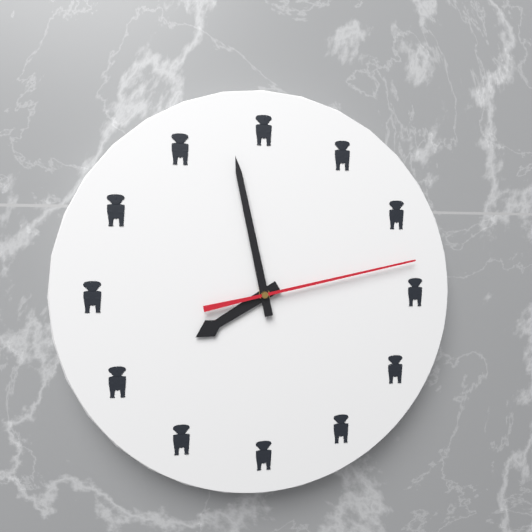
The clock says 7:58:13
